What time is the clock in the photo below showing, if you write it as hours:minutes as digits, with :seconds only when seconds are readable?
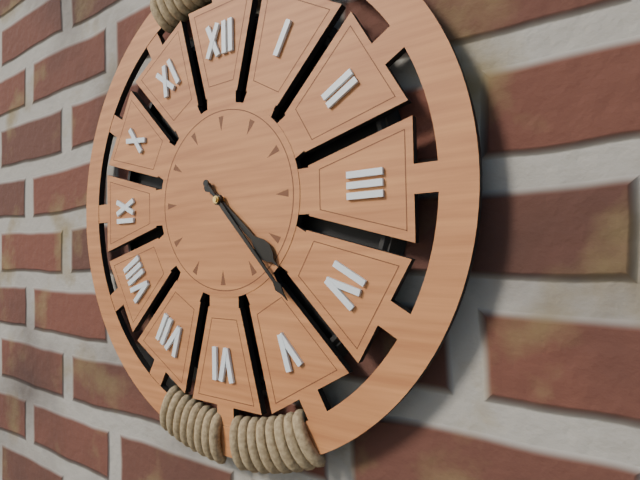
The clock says 4:23
